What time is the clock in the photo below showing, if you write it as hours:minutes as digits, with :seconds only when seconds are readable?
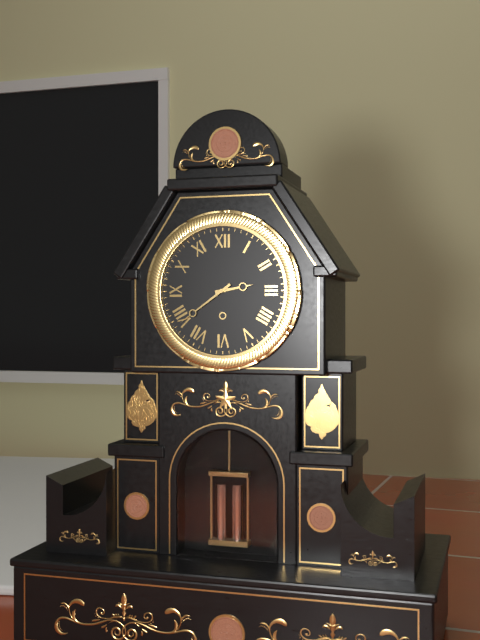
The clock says 2:39
